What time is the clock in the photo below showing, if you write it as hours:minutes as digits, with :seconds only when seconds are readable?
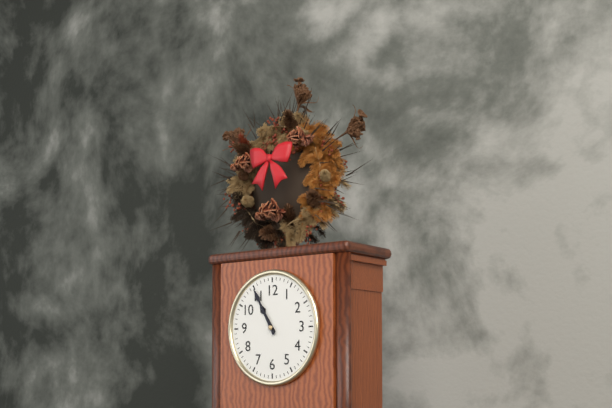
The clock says 10:55
